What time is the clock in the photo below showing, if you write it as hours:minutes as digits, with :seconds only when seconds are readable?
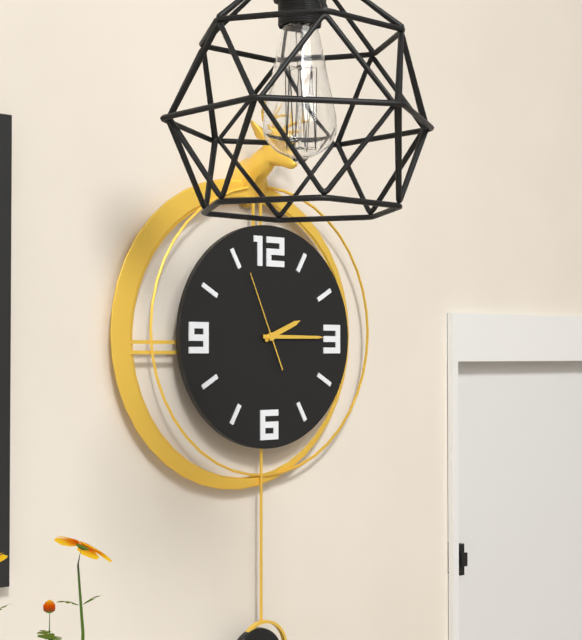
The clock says 2:15:56
